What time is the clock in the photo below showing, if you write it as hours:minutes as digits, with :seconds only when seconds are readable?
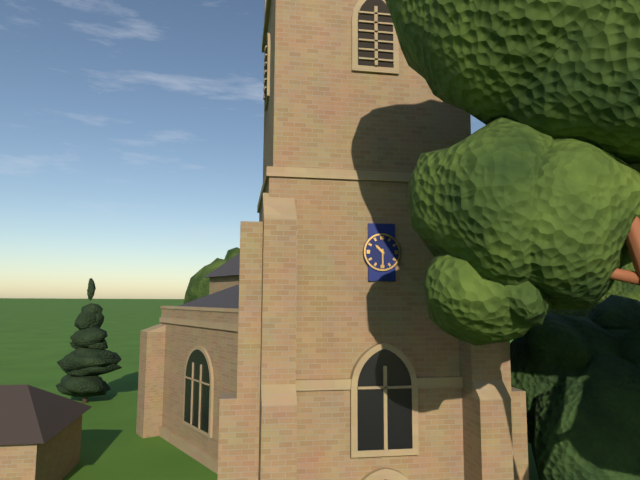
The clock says 10:30
